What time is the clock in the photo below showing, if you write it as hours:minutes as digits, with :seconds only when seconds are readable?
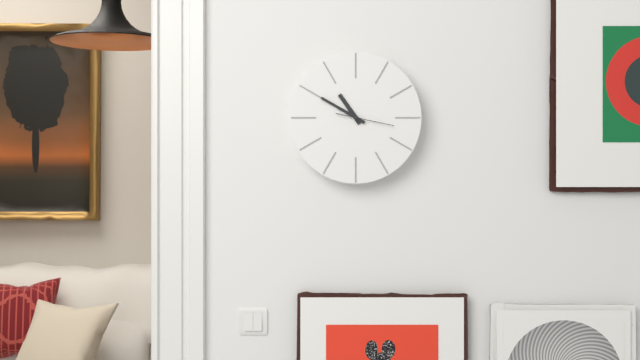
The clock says 10:50
